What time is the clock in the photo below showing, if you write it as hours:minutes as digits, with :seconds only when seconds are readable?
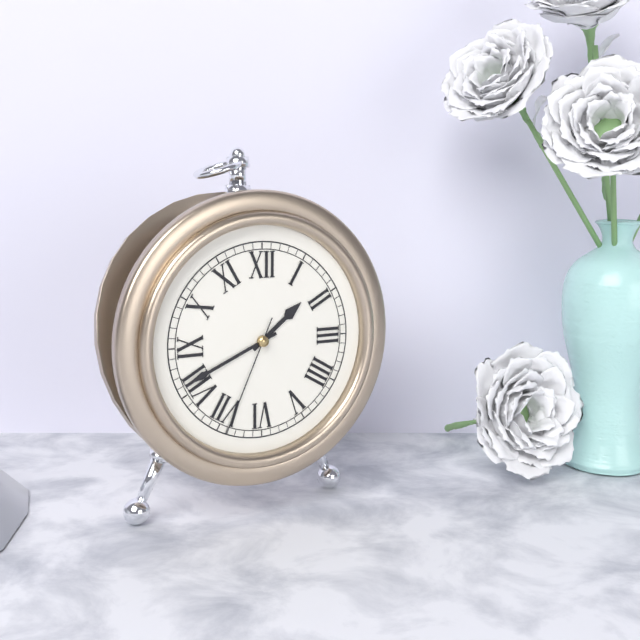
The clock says 1:41:34
